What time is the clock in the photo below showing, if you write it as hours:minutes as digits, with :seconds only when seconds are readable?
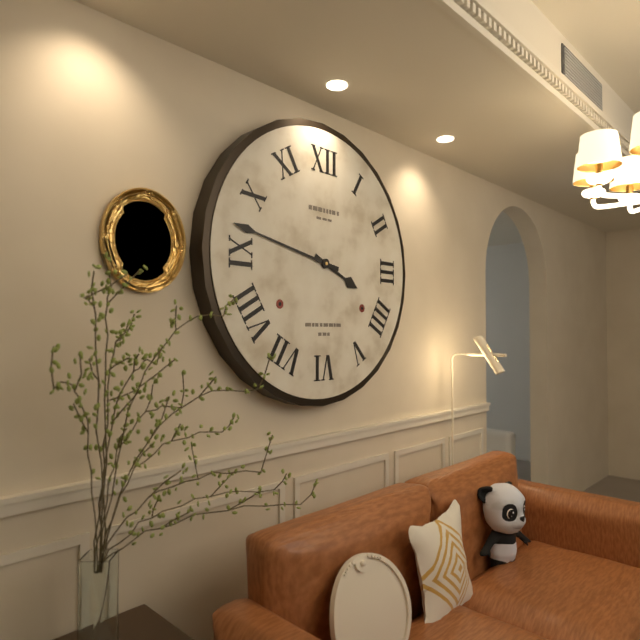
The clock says 3:47
